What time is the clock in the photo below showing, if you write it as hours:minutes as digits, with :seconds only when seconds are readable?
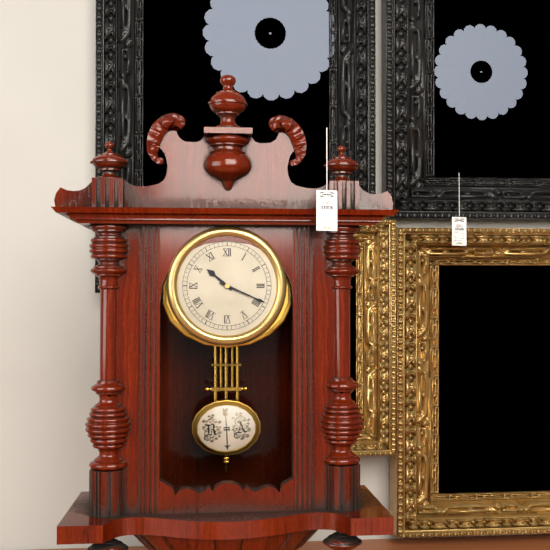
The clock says 10:19
